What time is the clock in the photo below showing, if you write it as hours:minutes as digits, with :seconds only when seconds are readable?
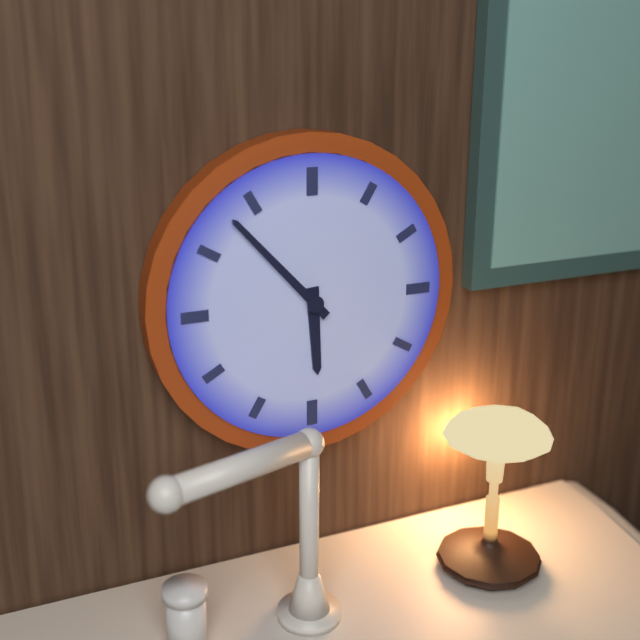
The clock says 5:53
